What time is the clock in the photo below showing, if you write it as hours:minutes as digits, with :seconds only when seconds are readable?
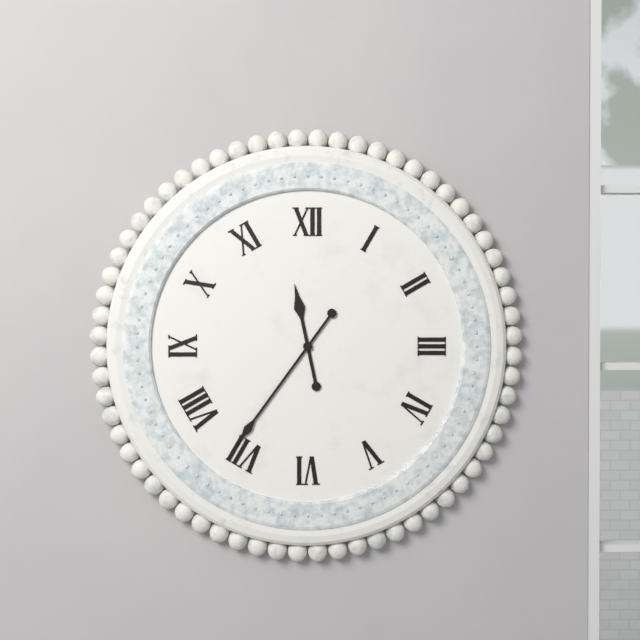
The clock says 11:36
